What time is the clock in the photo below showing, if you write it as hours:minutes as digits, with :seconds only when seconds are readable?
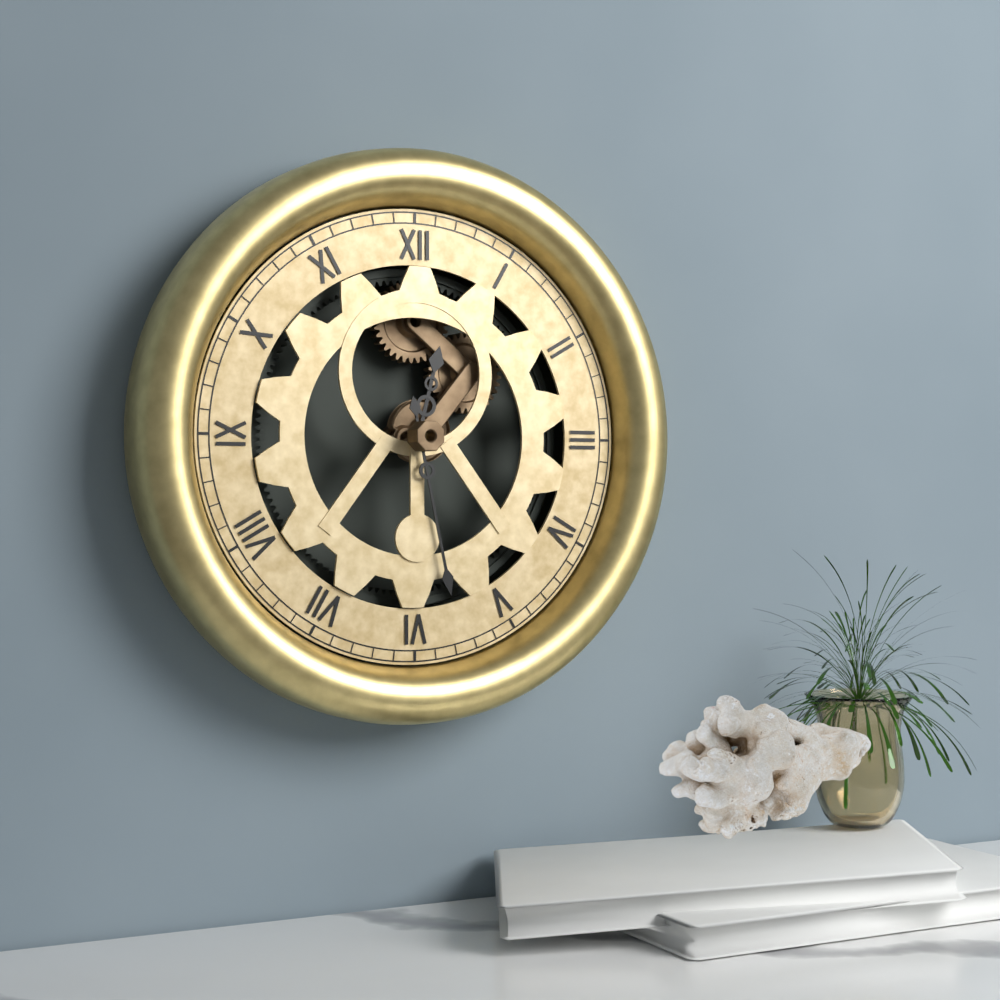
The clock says 12:28
